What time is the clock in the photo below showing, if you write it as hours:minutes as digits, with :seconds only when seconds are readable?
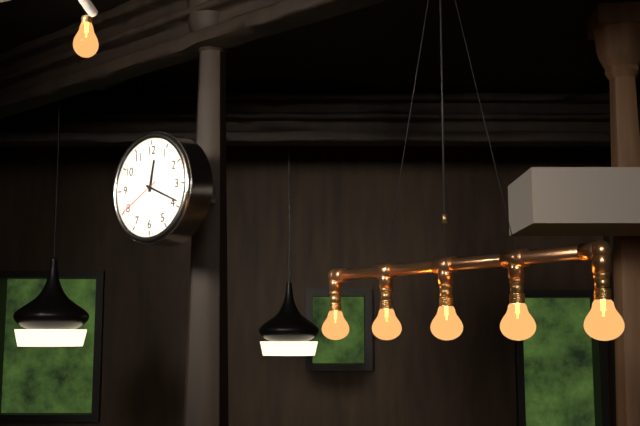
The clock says 12:19
